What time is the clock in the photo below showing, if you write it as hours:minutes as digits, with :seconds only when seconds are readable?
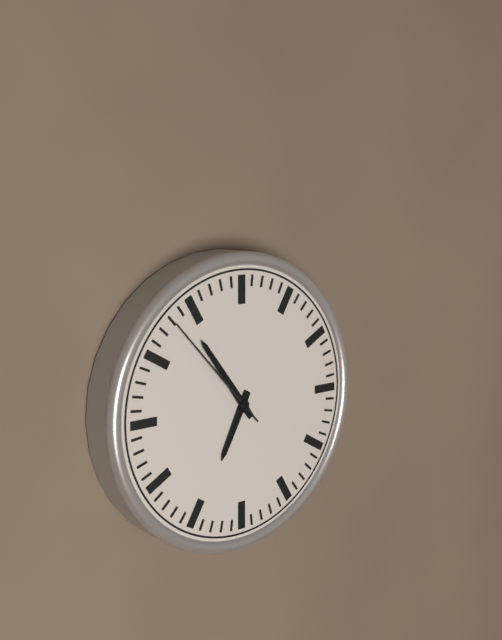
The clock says 6:54:53
